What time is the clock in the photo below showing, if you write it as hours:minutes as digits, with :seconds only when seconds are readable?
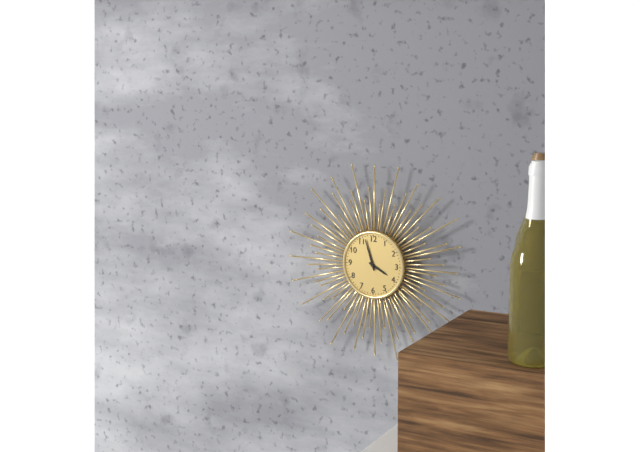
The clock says 3:57
